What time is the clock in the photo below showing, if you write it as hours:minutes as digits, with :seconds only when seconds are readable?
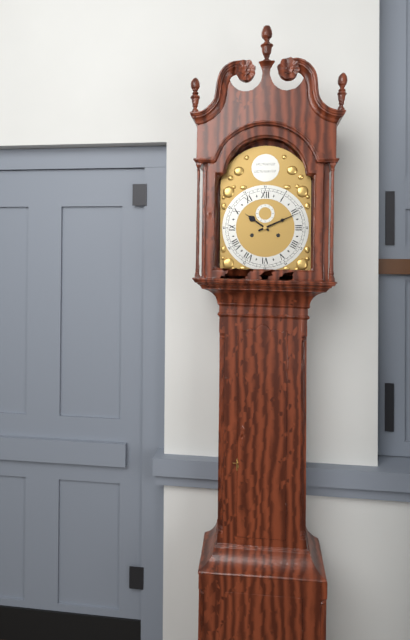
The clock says 10:11
